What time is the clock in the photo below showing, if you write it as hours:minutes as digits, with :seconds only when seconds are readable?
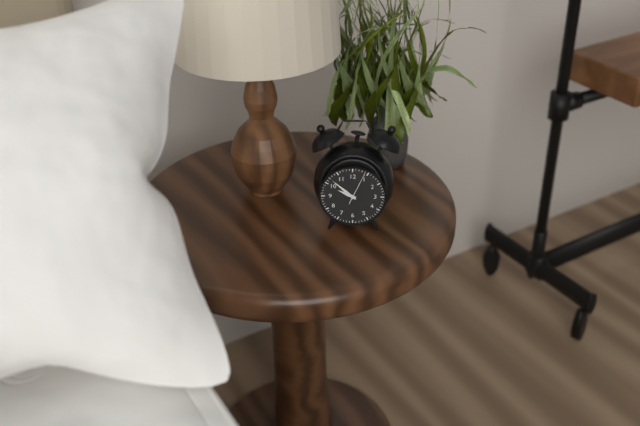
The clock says 9:52
